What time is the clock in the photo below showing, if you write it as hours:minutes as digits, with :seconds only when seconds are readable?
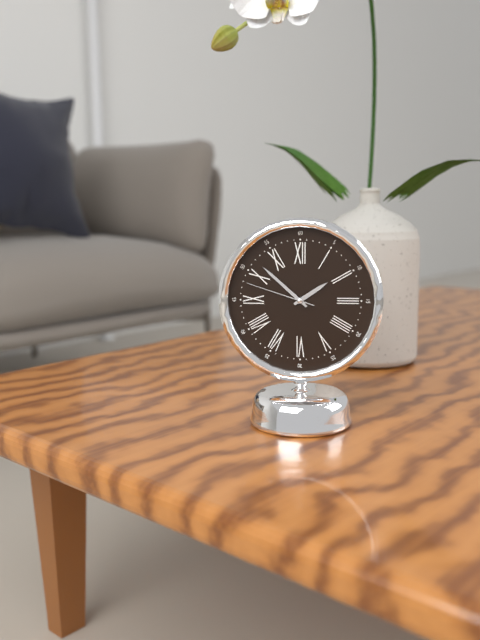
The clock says 1:52:48
